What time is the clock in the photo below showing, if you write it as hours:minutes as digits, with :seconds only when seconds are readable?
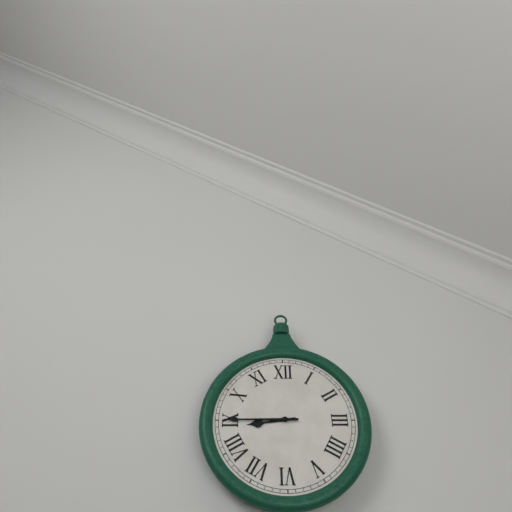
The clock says 8:45
